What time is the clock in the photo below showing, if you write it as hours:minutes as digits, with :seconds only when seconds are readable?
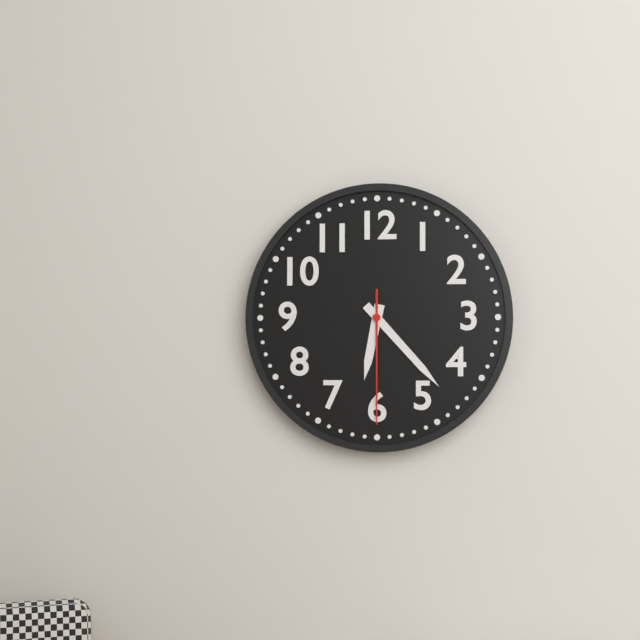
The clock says 6:23:30
